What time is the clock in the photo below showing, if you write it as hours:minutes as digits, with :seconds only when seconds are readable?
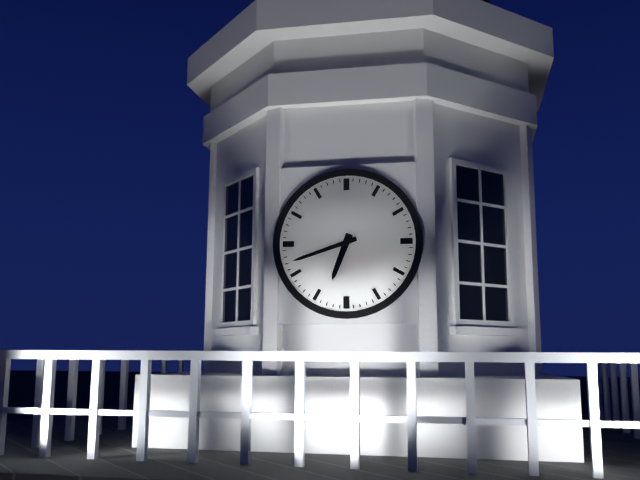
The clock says 6:42
